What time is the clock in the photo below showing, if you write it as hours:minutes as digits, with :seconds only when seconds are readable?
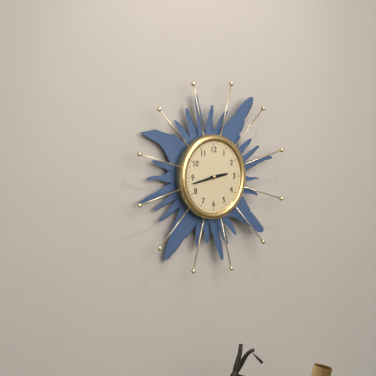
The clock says 2:43
